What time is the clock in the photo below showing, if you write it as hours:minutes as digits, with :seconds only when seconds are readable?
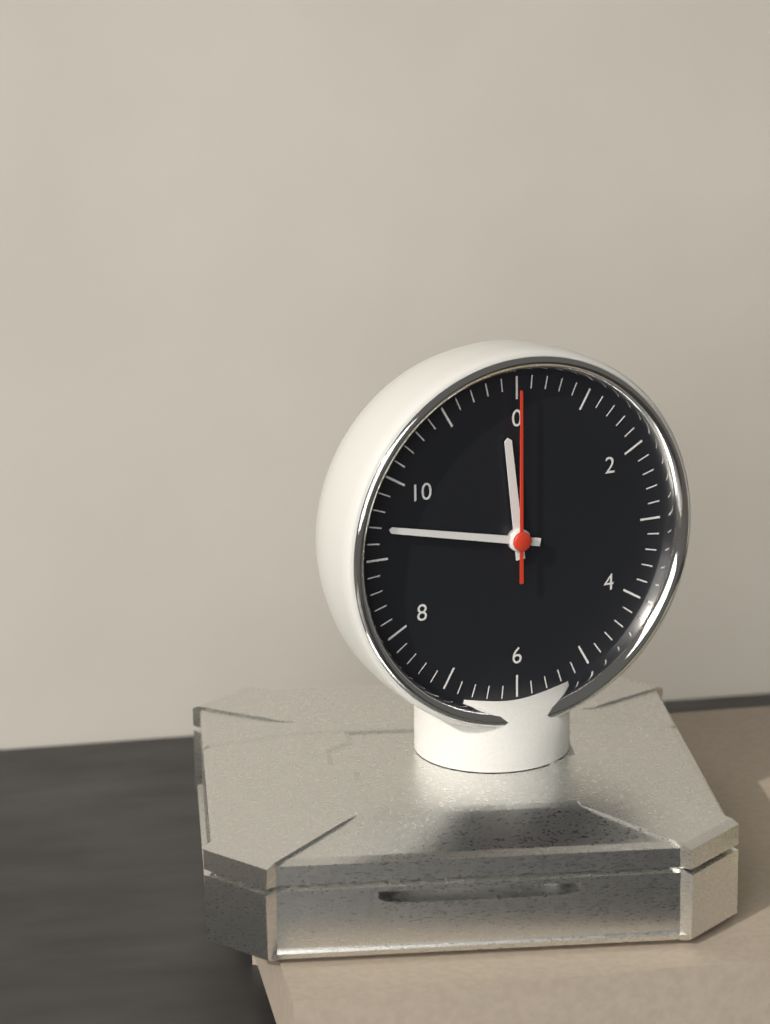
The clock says 11:47:00
